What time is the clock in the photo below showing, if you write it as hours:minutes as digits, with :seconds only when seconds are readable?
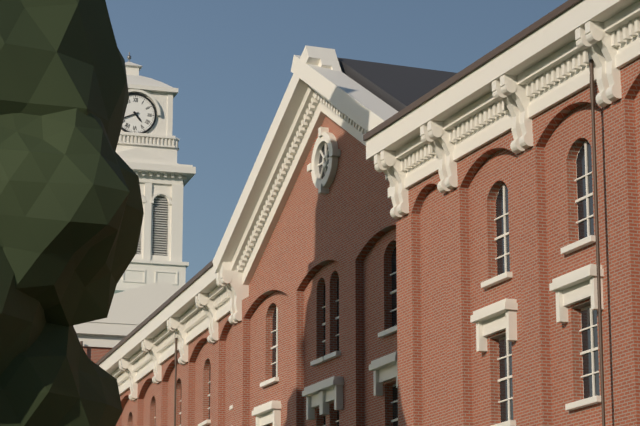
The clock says 4:41
